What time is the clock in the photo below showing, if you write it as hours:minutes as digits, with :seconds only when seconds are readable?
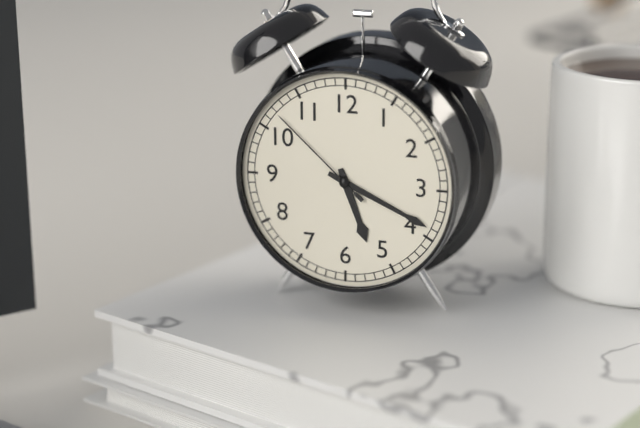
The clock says 5:19:52
